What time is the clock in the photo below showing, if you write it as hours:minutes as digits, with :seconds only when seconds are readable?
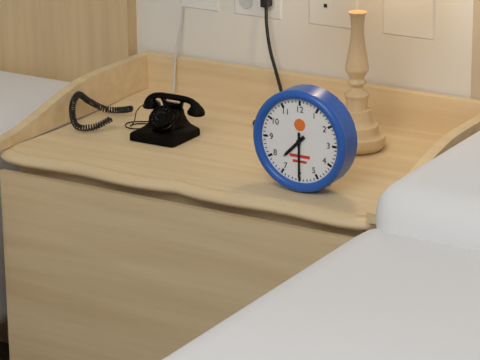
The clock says 7:30
